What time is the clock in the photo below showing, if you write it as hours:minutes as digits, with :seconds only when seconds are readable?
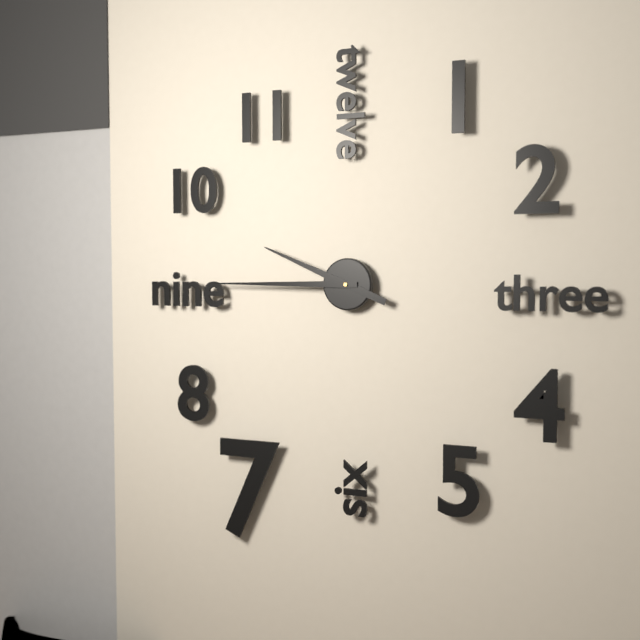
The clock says 9:45
